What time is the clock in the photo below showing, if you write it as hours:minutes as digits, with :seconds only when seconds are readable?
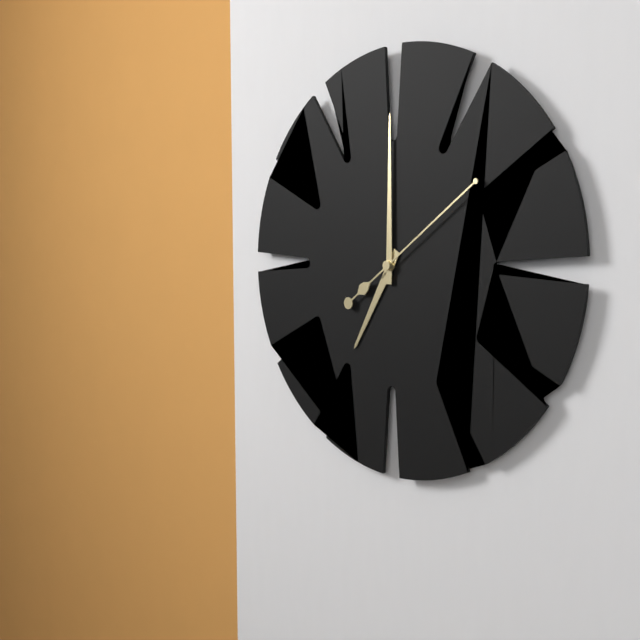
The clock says 7:00:09
